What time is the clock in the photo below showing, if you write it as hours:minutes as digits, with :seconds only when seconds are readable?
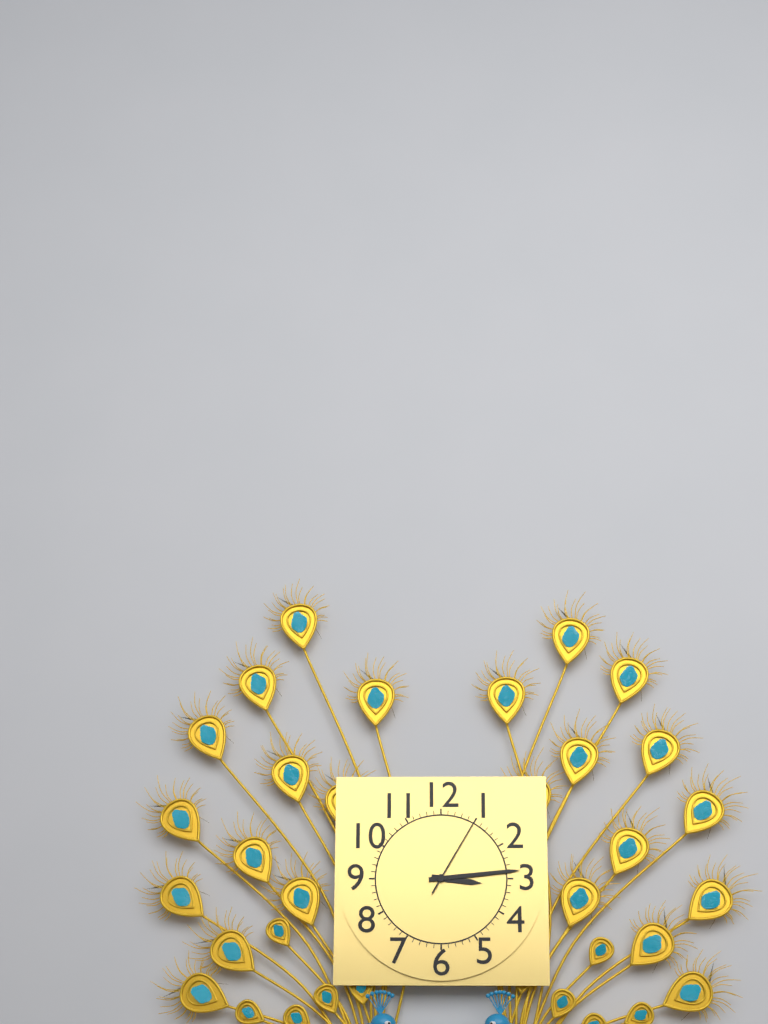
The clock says 3:14:05
